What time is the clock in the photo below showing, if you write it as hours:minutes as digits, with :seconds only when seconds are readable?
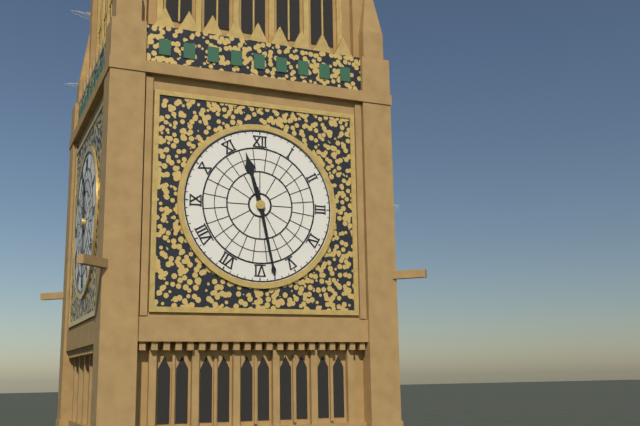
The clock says 11:28
